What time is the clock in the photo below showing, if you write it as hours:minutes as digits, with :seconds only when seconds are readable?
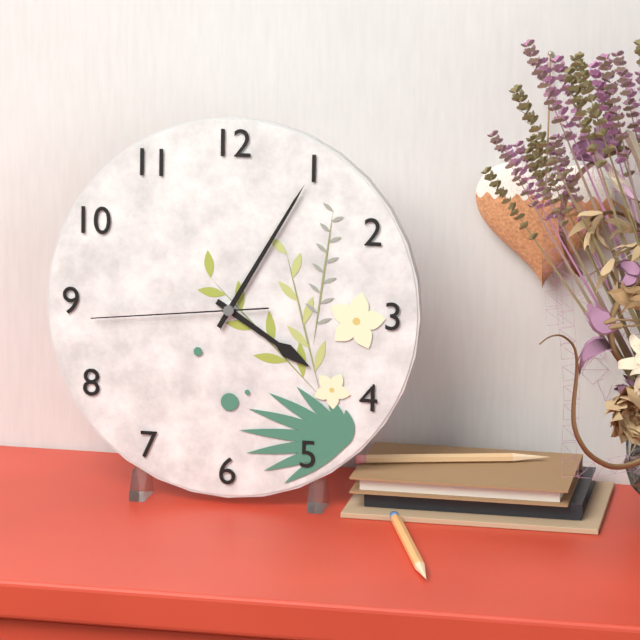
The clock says 4:05:44
